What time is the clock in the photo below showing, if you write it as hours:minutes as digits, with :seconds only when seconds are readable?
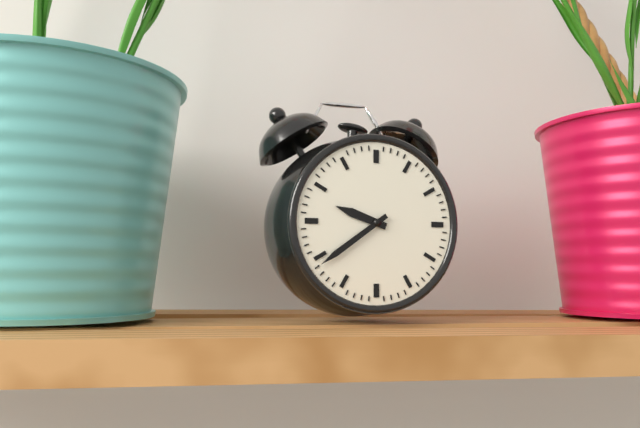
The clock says 9:39
